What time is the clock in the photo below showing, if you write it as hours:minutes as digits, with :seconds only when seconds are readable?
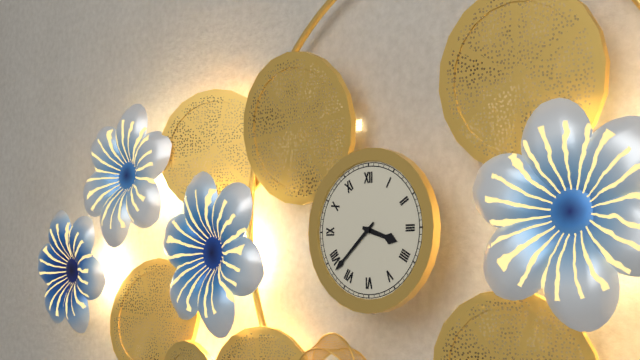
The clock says 3:38
